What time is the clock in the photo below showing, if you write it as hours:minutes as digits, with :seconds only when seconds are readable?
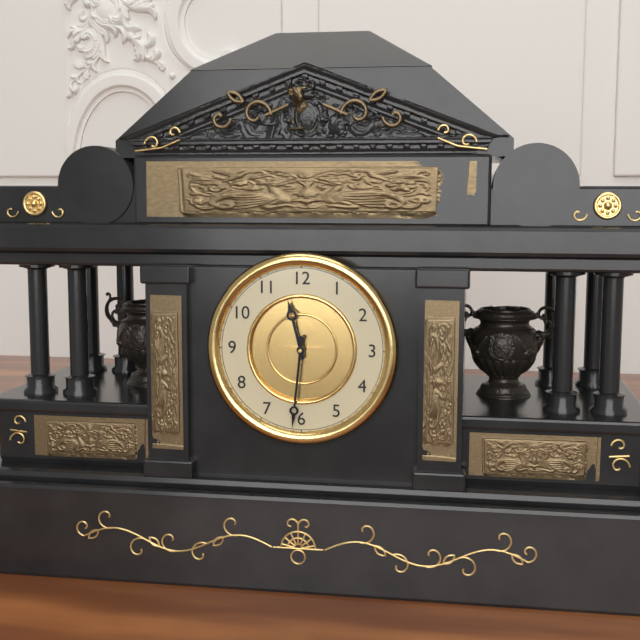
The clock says 11:31
